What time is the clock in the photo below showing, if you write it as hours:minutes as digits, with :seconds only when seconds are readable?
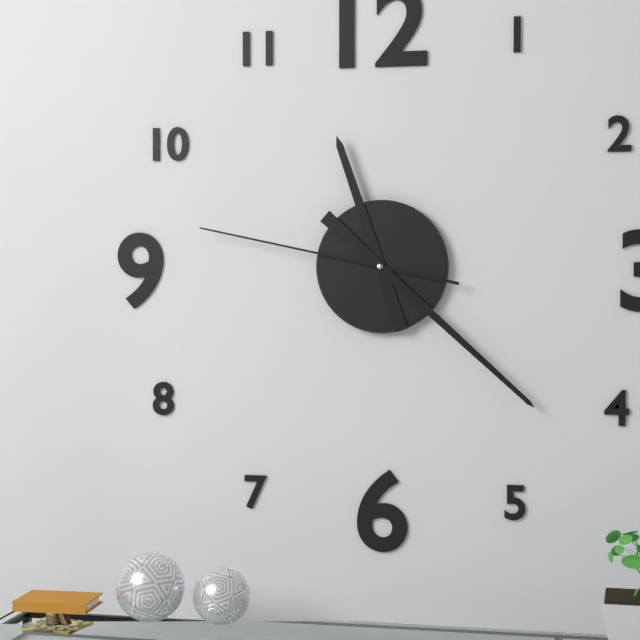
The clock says 11:22:47
